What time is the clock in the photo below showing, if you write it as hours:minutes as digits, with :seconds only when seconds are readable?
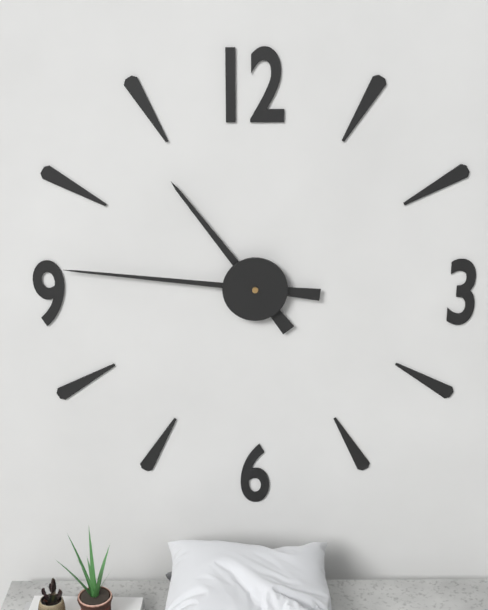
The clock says 10:46
